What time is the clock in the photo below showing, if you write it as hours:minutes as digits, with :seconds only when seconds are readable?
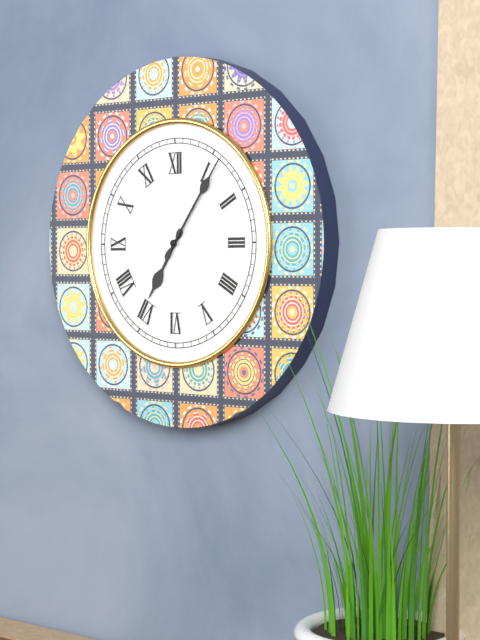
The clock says 7:06
